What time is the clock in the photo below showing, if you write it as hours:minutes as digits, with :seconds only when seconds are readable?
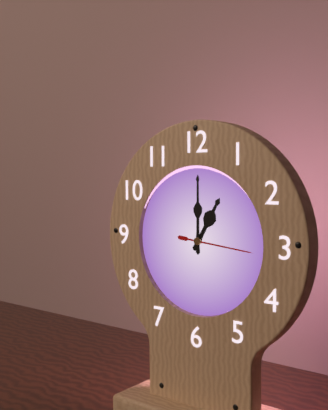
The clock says 1:00:16
